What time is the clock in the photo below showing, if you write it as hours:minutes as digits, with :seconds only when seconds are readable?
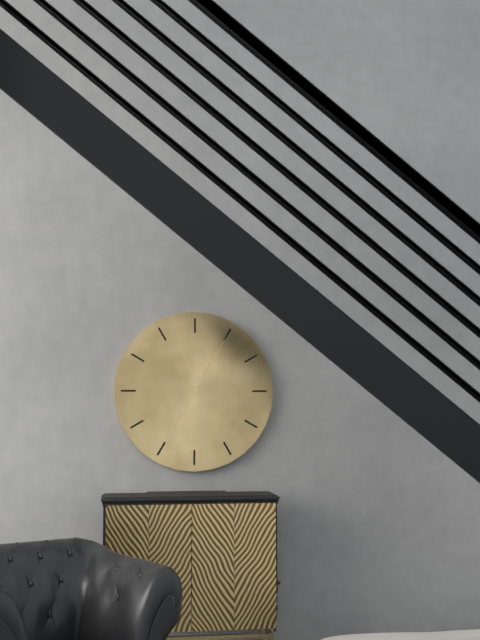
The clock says 7:05
